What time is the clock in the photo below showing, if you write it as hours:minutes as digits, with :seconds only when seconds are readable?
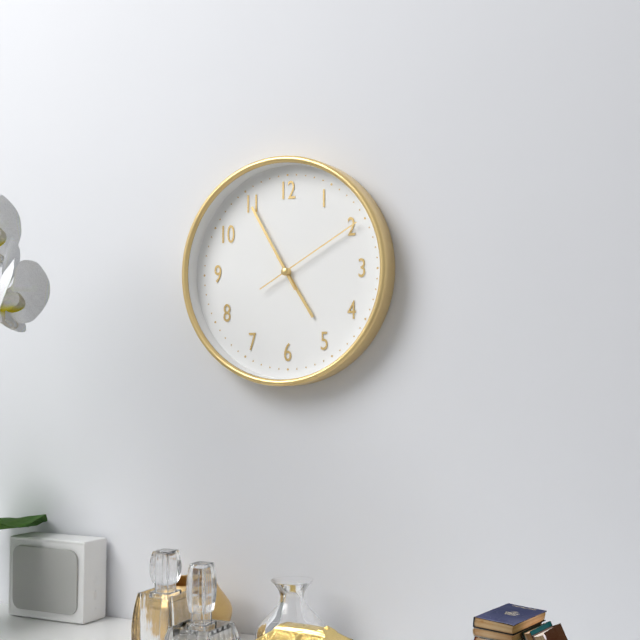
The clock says 4:55:10
